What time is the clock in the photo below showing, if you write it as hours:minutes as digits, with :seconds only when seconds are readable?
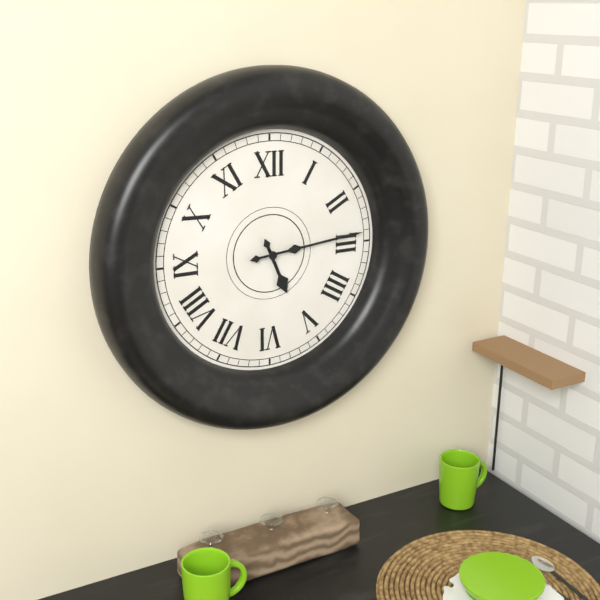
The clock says 5:14
